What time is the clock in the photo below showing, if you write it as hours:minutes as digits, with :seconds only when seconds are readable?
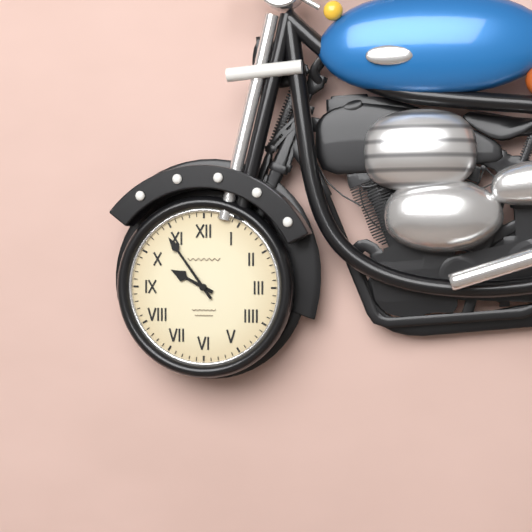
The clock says 9:54
